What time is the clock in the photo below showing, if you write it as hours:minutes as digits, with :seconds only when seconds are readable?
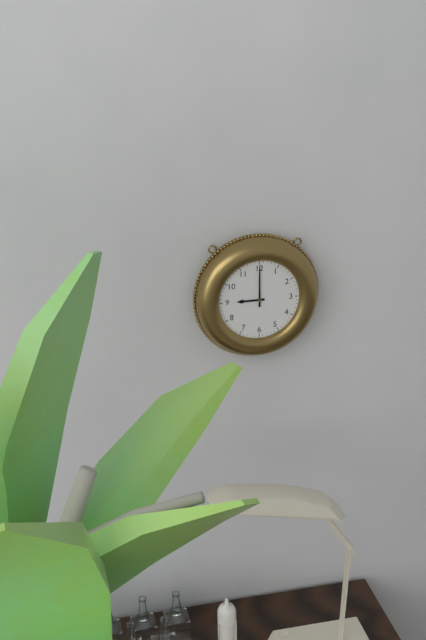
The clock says 9:00
